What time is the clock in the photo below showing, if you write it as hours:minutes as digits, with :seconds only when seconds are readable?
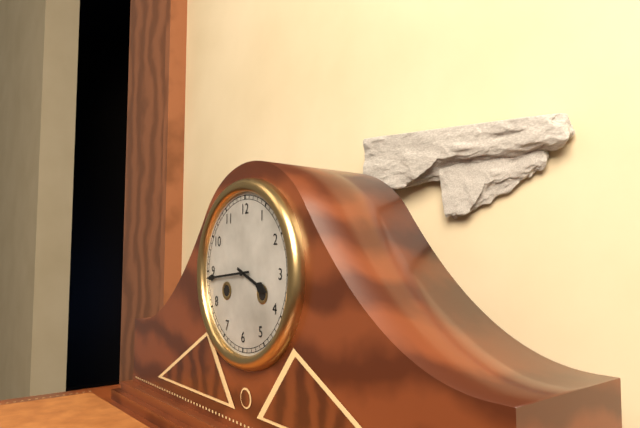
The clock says 3:44
